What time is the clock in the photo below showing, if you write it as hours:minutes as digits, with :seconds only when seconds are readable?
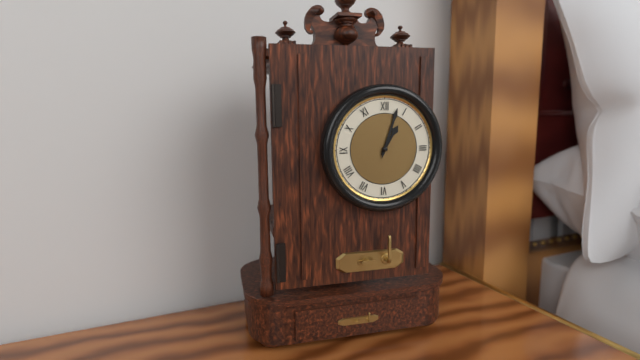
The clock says 1:03
